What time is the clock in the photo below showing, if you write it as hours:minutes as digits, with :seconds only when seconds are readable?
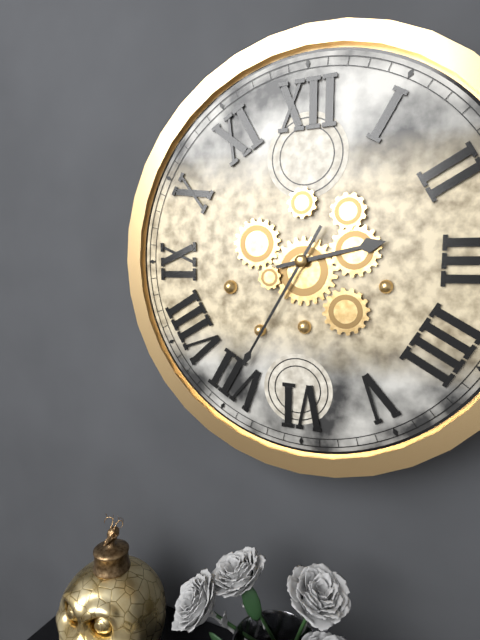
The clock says 2:35
